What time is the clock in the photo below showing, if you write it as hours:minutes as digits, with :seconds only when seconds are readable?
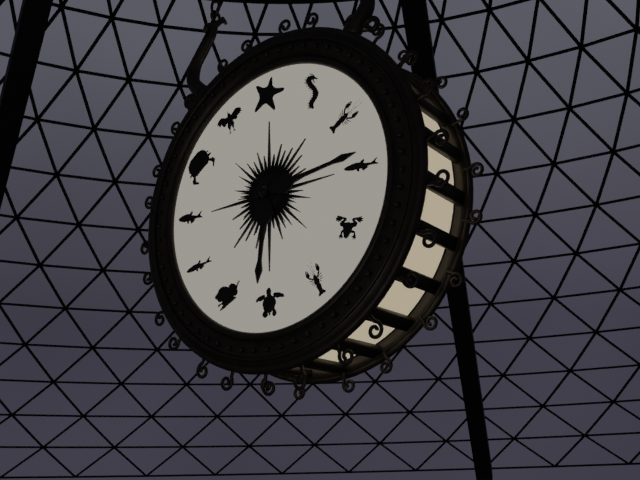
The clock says 6:14
